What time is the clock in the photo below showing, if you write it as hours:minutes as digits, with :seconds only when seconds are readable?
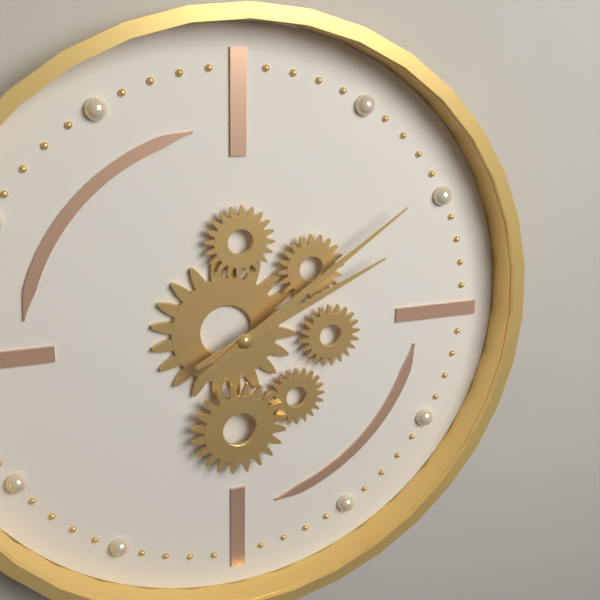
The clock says 2:09
